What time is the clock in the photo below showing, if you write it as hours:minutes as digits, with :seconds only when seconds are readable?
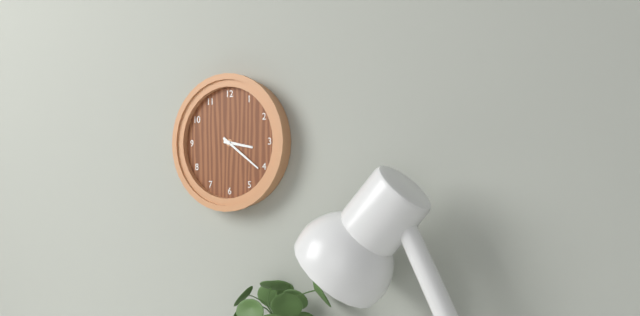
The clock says 3:21
